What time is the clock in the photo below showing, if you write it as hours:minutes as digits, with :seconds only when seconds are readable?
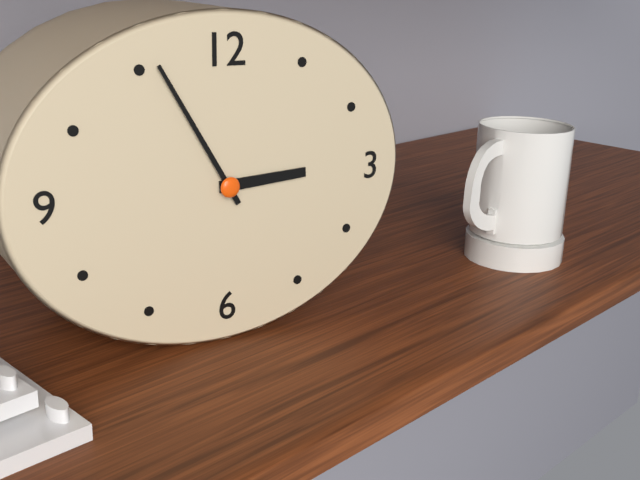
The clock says 2:55
